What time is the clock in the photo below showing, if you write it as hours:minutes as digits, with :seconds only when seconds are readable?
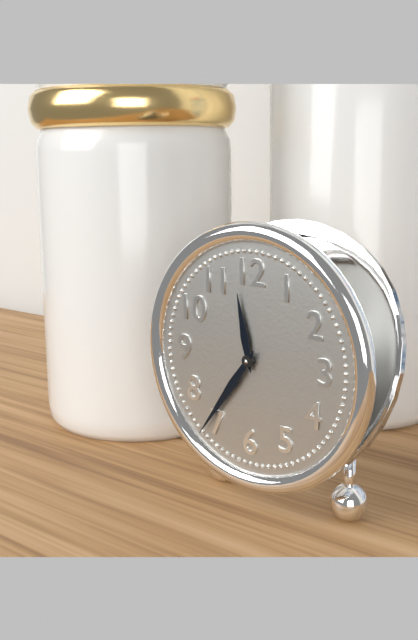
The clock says 11:36
